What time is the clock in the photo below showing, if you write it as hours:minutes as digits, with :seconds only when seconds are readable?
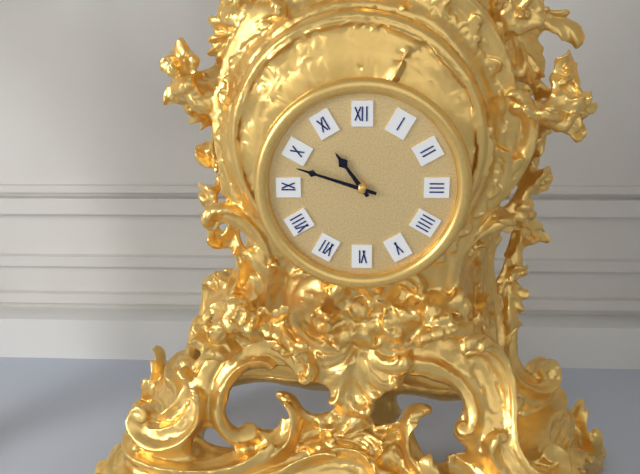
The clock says 10:48
